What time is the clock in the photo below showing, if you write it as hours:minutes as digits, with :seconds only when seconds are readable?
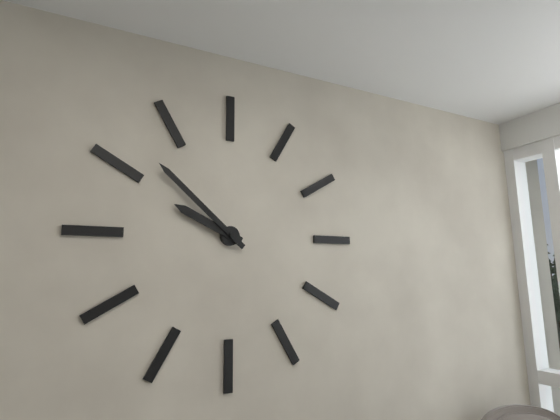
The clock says 9:52
